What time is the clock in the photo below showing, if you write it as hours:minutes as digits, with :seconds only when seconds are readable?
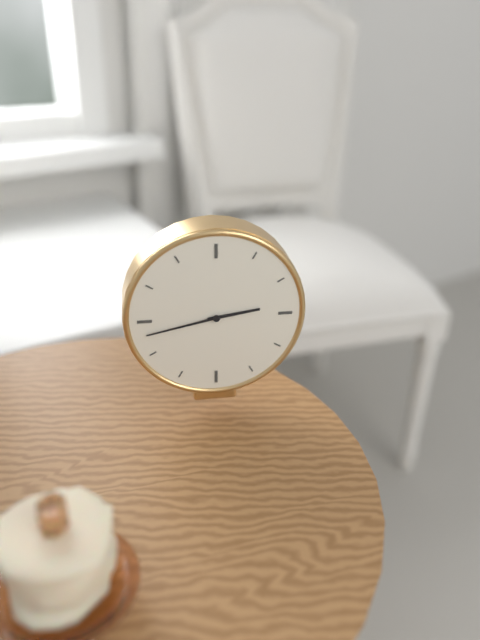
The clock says 2:43
